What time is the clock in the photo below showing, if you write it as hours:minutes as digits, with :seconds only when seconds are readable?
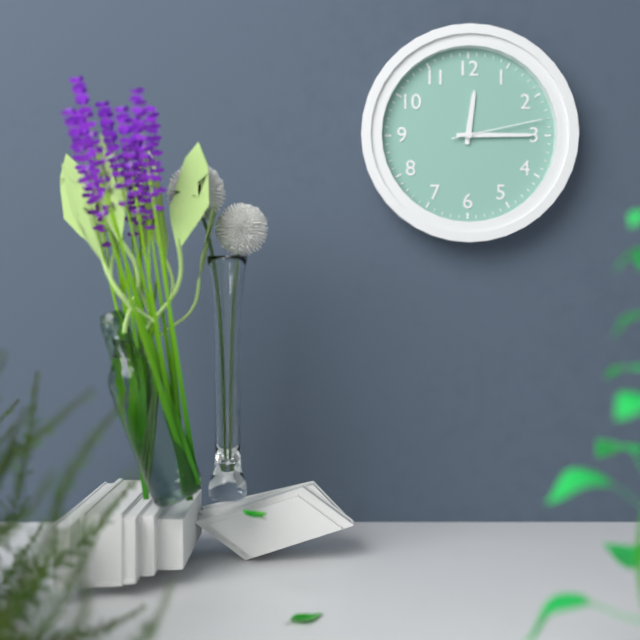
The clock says 12:15:13
